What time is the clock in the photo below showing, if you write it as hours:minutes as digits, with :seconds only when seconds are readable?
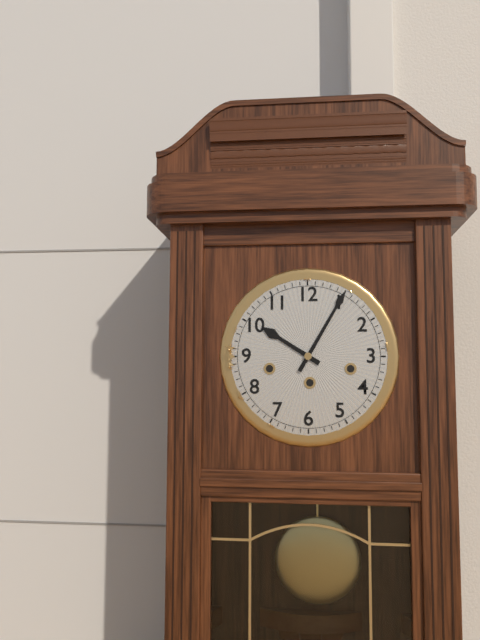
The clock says 10:05
